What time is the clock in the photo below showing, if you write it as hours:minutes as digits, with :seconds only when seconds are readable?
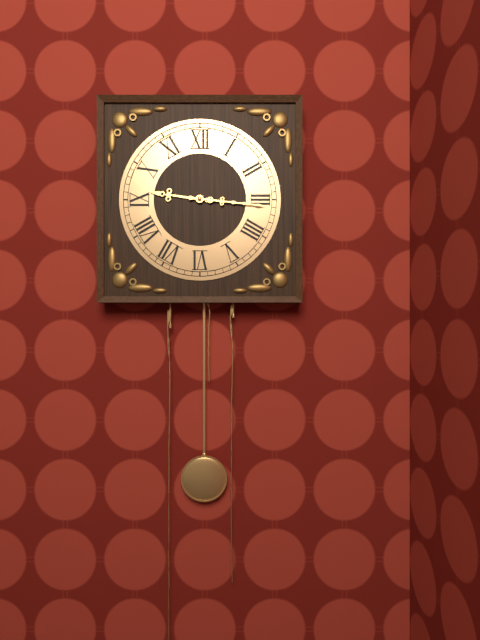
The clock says 9:16
